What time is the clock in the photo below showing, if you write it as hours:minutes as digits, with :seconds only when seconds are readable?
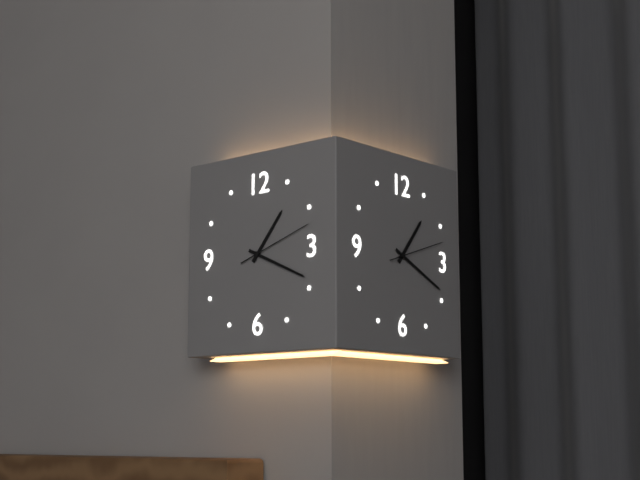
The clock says 1:19:12
